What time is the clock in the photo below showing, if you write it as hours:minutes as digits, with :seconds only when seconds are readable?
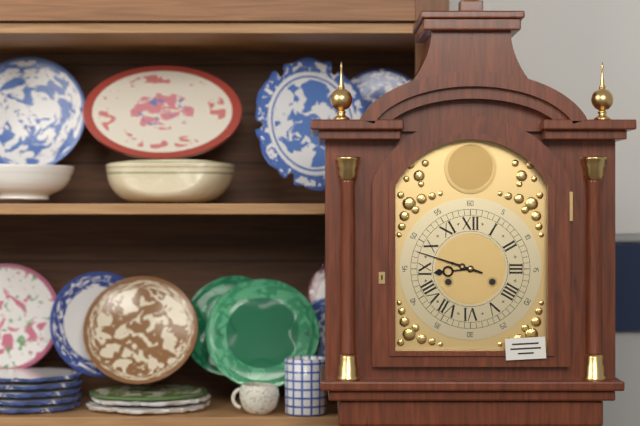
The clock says 8:48
